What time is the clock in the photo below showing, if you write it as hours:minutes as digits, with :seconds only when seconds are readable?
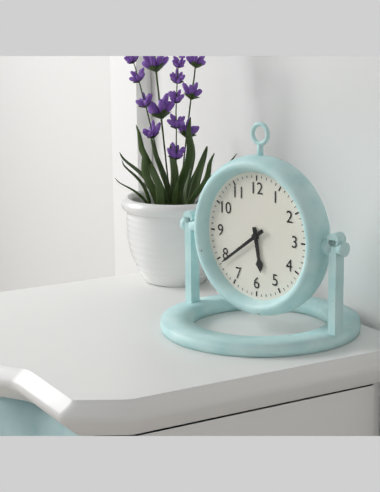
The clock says 5:39
